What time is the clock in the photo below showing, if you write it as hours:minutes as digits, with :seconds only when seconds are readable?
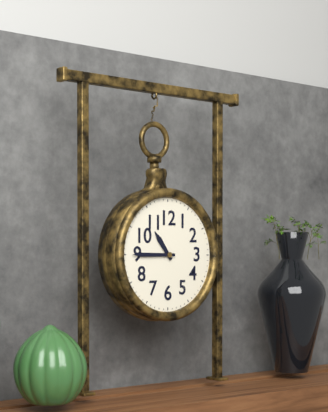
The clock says 10:45
